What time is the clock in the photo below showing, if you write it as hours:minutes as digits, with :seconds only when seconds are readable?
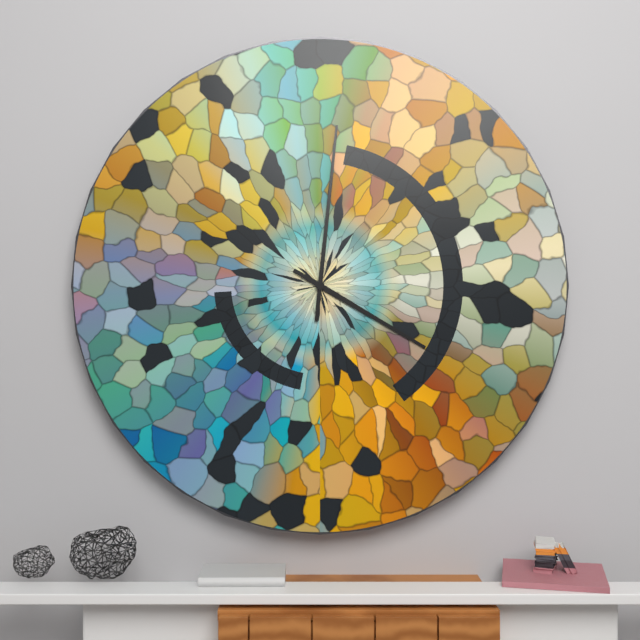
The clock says 4:01
